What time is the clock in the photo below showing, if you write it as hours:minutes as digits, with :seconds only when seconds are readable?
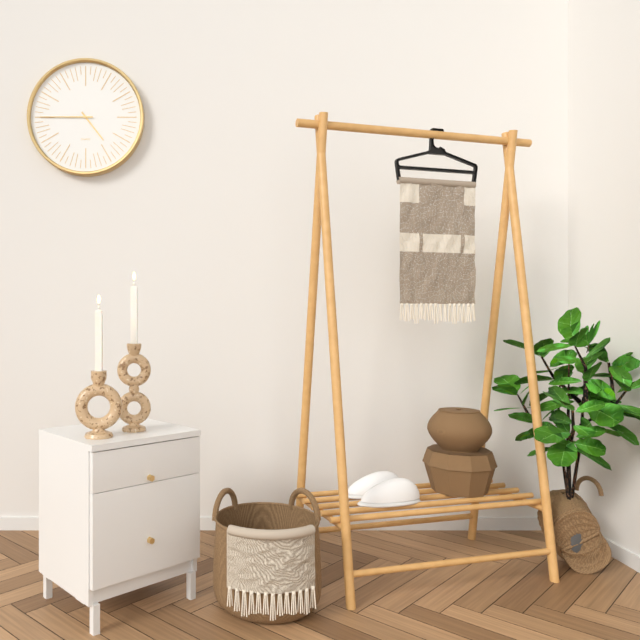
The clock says 4:45
